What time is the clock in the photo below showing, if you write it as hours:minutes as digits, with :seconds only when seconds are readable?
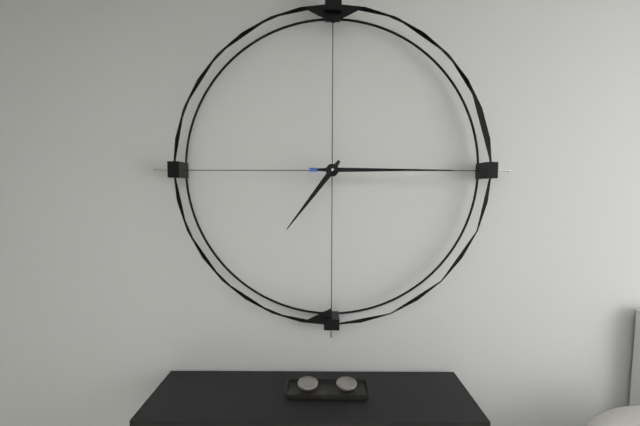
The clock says 7:15
